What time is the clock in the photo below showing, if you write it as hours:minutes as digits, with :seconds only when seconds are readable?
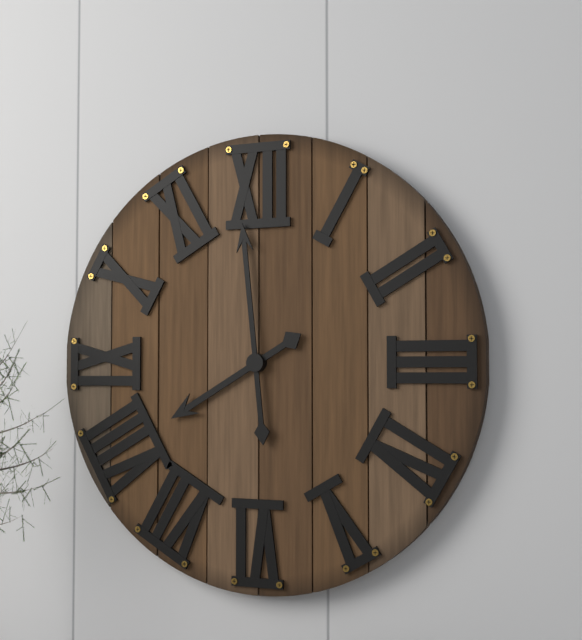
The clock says 7:59
